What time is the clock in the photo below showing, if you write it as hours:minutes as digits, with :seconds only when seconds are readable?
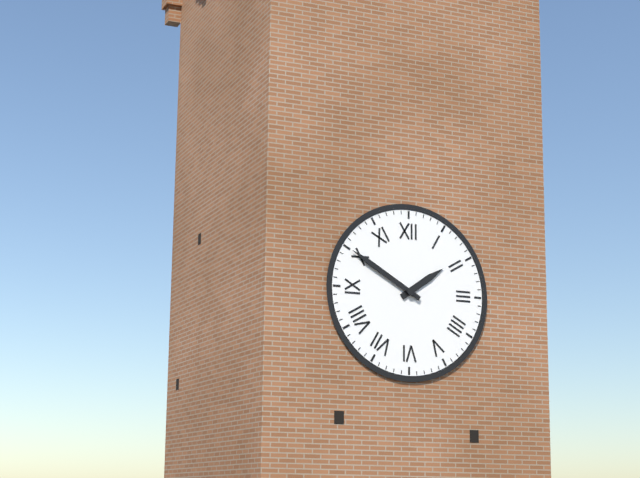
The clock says 1:50
